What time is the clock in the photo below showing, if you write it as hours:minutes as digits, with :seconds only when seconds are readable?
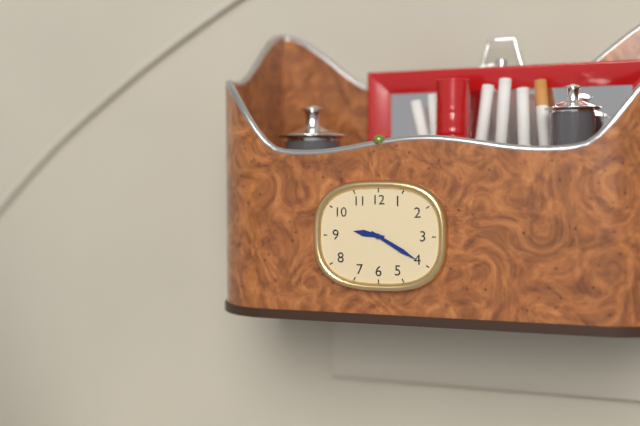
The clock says 9:20
